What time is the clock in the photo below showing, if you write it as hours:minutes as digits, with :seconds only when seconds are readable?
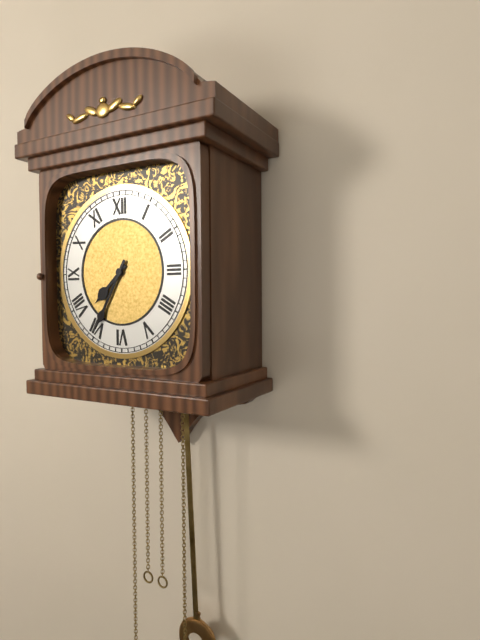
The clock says 7:35
